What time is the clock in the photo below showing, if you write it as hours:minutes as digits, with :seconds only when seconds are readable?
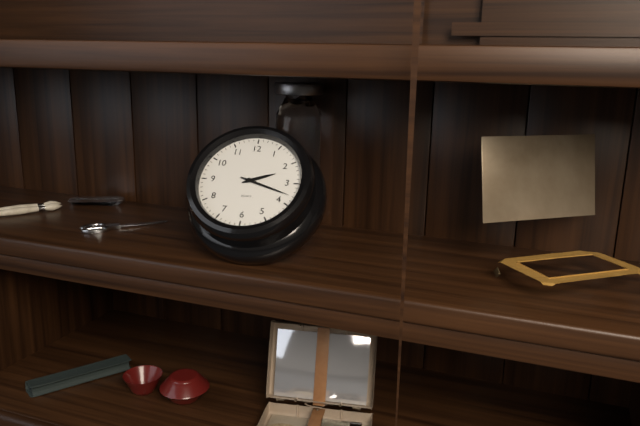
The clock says 2:18
